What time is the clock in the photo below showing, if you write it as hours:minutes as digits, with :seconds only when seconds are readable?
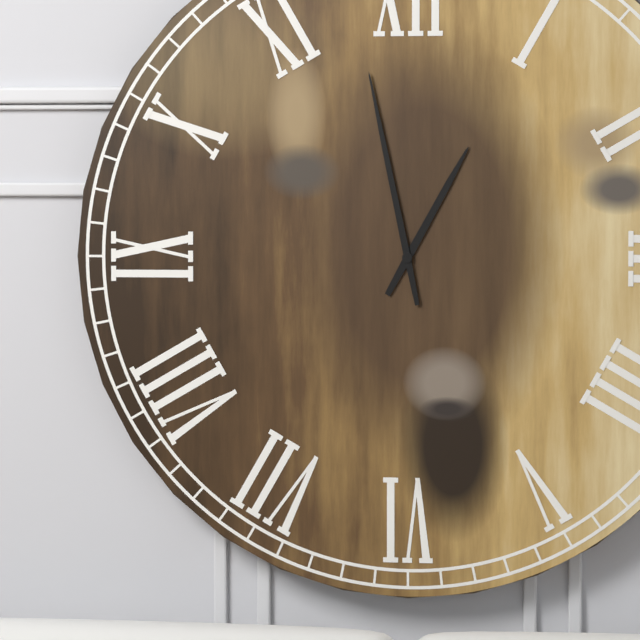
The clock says 12:58
